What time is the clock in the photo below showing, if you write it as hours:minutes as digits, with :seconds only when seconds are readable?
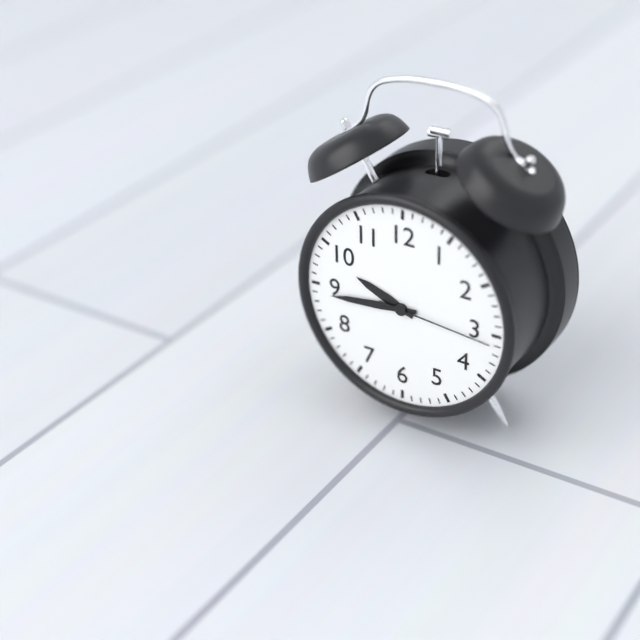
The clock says 9:44:16
